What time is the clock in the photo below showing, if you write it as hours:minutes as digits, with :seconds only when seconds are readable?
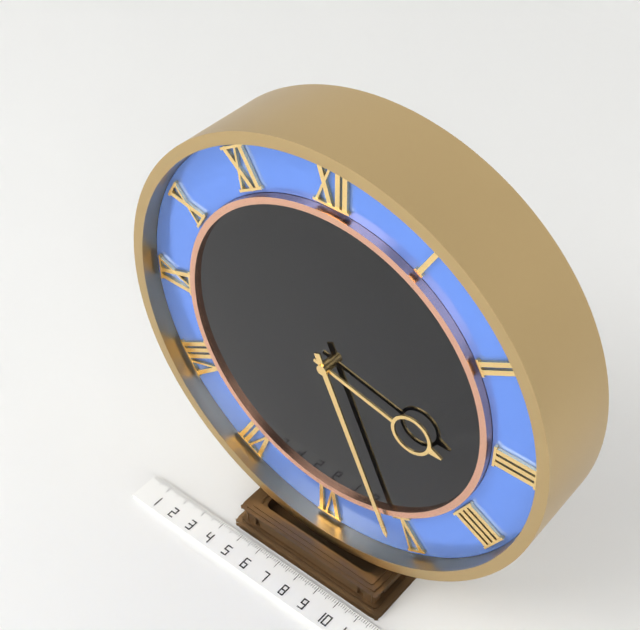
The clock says 3:26
